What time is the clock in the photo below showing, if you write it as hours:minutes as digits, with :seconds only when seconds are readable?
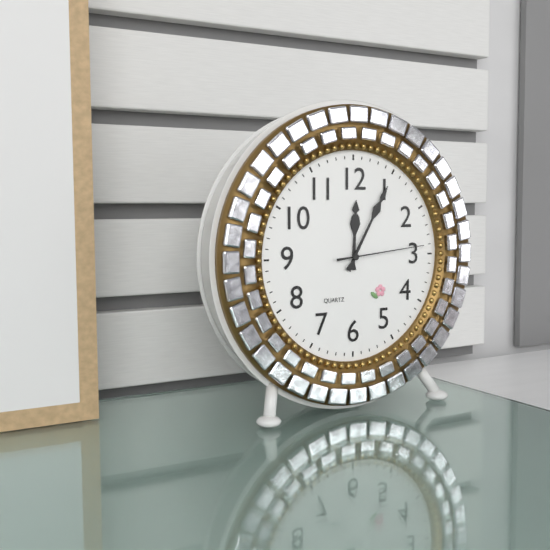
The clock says 12:05:14
